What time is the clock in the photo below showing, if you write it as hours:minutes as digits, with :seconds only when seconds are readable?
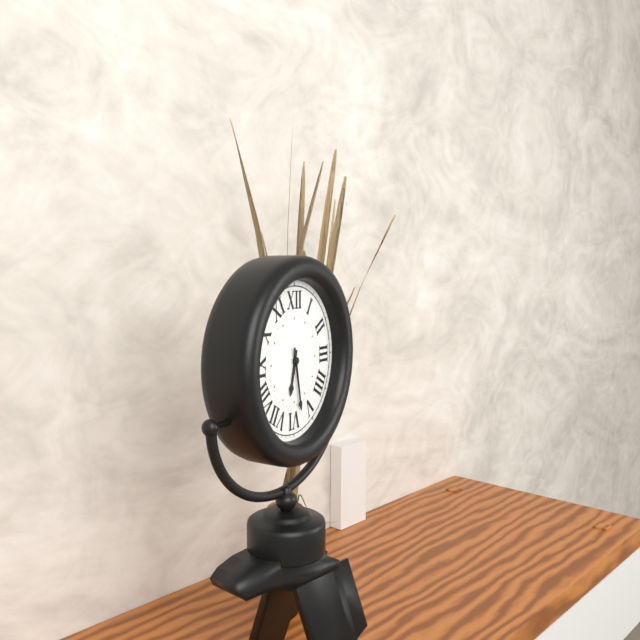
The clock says 6:28
